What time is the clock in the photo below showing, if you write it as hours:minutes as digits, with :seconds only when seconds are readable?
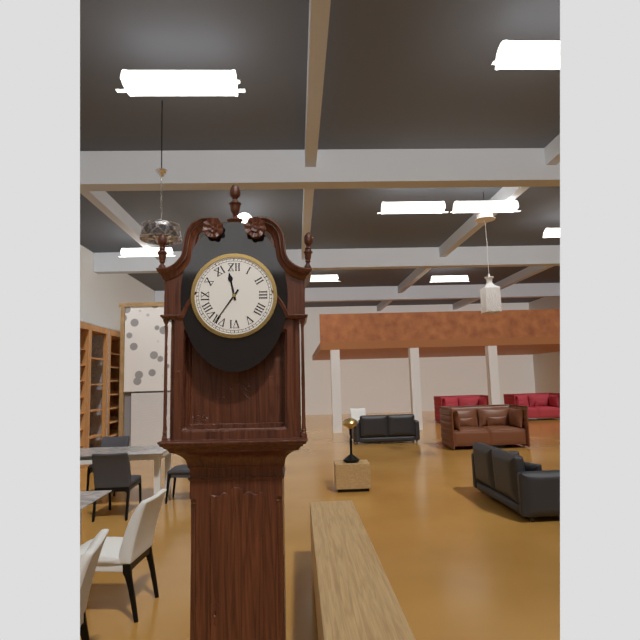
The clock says 11:36
